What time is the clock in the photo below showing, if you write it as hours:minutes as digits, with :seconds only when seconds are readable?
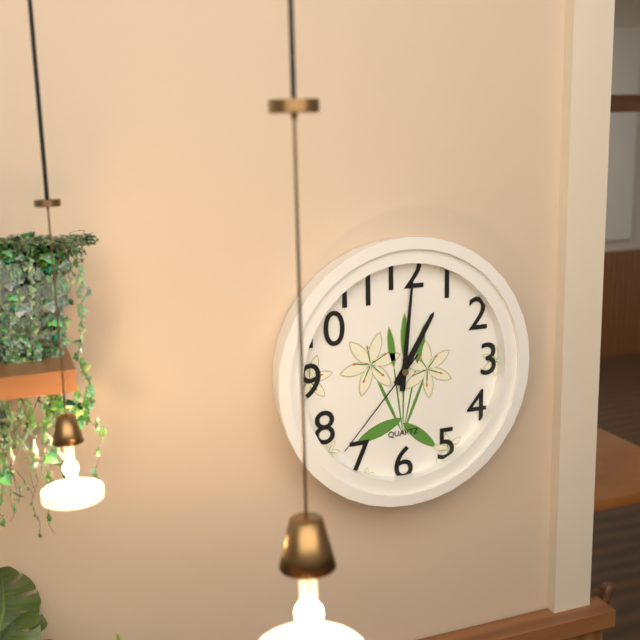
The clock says 1:01:37
